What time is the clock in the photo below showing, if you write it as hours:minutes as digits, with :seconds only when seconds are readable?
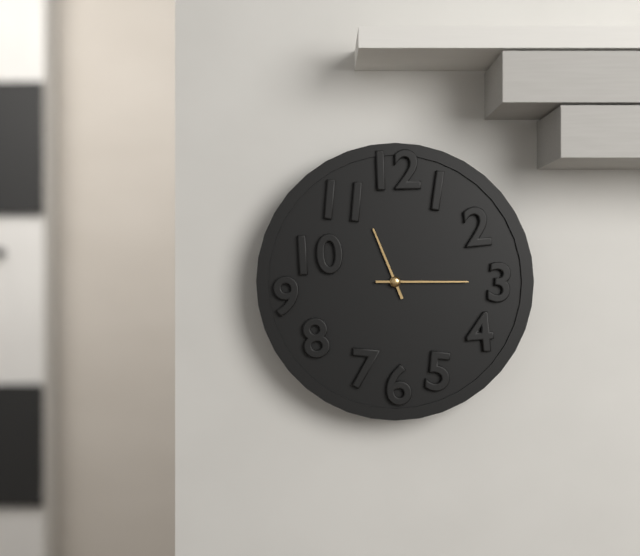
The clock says 11:15
